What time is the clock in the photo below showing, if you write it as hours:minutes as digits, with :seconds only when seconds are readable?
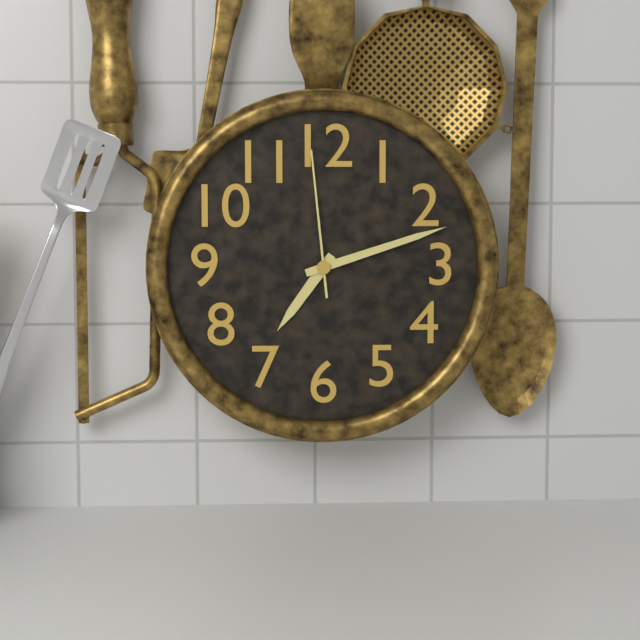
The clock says 7:12:59
